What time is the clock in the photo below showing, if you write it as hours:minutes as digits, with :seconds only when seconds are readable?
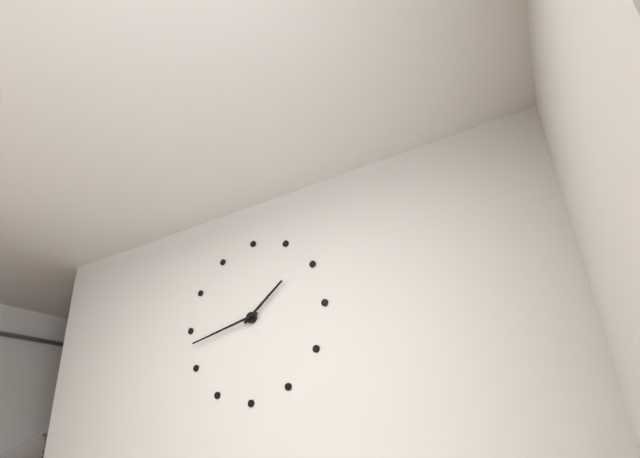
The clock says 1:43
